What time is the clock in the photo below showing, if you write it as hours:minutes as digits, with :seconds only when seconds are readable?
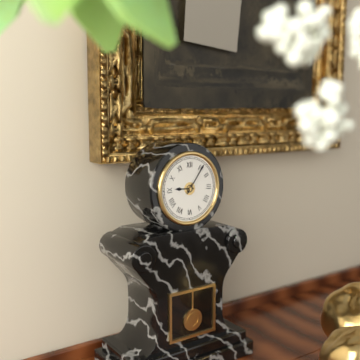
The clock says 9:06
